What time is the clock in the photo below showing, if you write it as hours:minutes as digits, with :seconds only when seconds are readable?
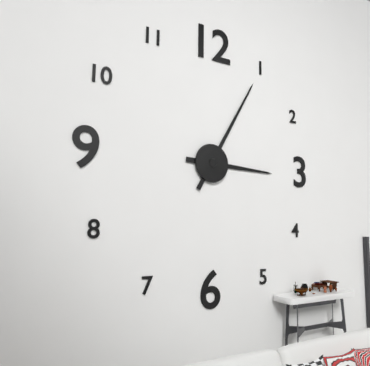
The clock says 3:05
